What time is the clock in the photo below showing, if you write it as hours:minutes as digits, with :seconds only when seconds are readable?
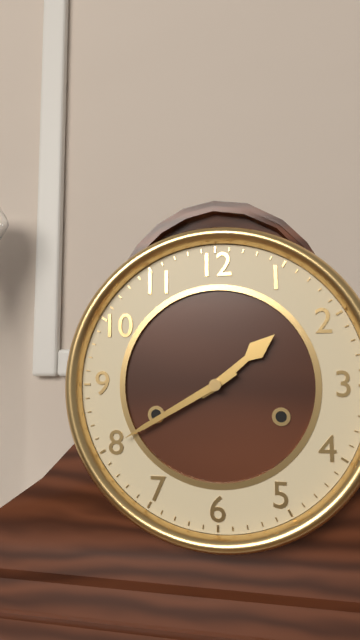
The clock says 1:40
